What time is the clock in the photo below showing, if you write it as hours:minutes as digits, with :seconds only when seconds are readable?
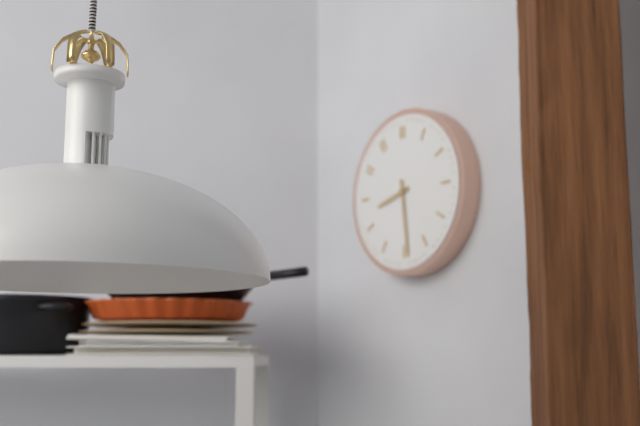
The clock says 8:29
